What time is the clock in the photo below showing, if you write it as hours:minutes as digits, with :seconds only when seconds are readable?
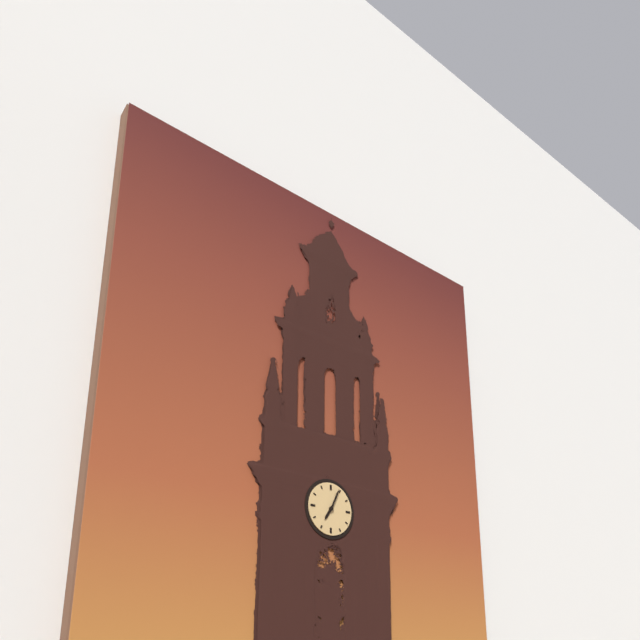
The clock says 7:04
